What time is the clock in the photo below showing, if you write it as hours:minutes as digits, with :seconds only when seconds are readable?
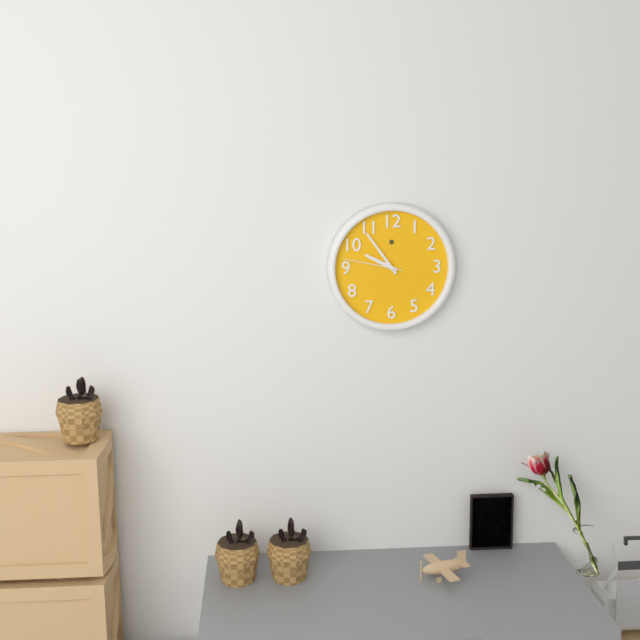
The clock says 9:54:47
